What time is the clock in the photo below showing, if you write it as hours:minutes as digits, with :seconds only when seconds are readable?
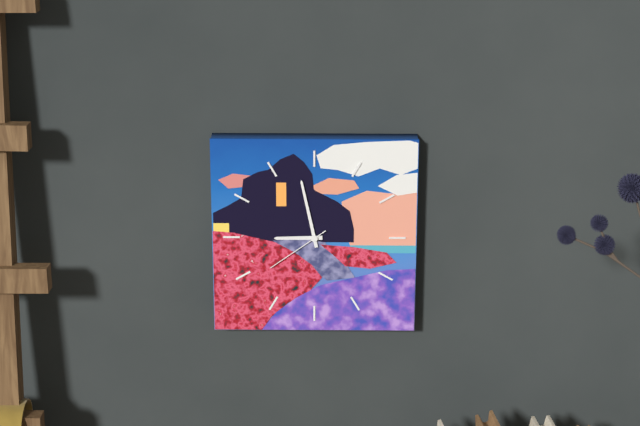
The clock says 8:58:39
